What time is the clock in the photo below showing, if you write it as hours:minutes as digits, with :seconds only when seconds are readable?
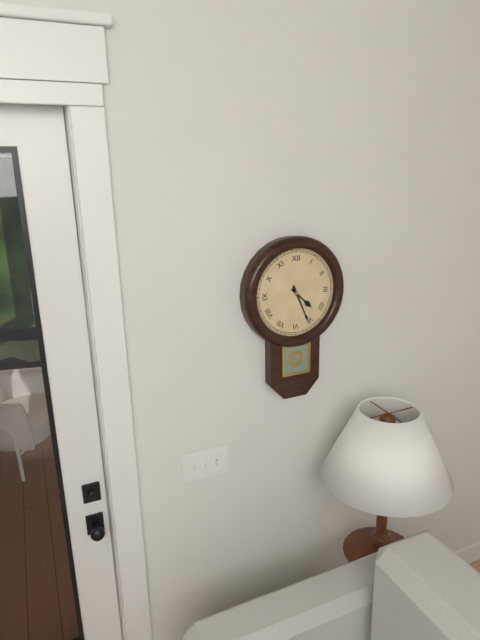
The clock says 4:26
